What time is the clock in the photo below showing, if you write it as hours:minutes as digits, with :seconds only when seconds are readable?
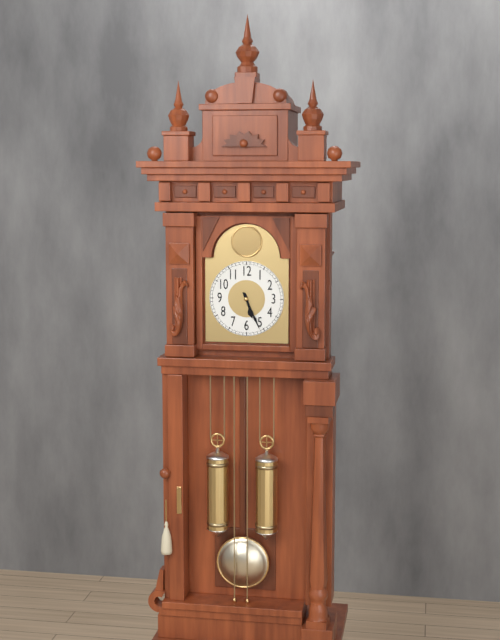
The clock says 5:26
